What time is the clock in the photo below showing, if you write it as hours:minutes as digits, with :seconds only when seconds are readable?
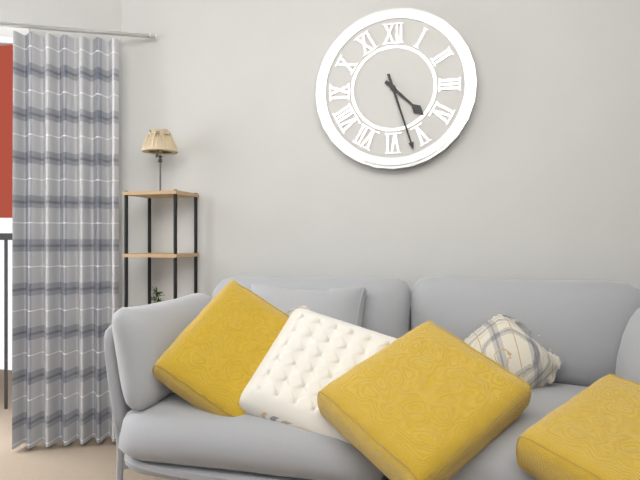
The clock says 4:27
